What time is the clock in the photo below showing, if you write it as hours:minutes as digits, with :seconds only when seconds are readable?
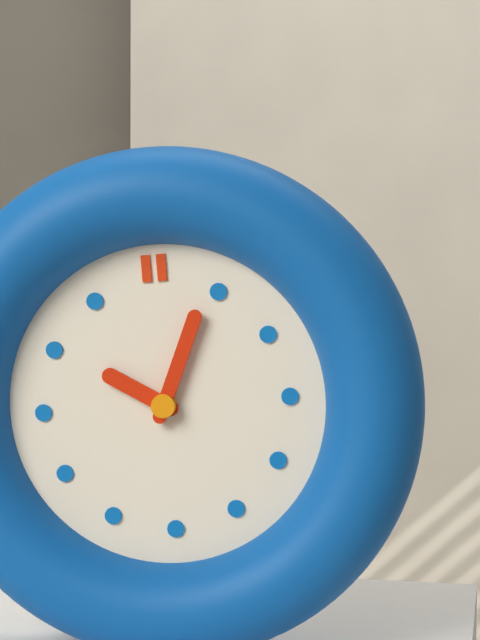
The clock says 10:04
